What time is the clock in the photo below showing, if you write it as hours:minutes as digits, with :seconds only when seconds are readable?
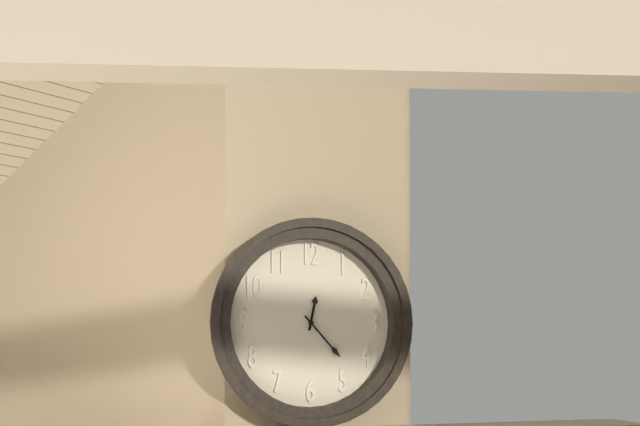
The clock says 12:23
